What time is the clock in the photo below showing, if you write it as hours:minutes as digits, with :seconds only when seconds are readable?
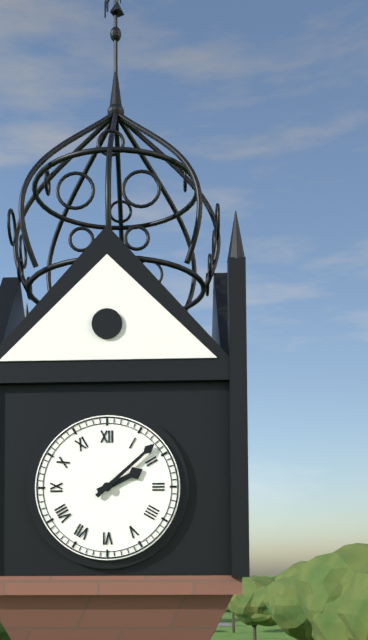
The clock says 2:08
